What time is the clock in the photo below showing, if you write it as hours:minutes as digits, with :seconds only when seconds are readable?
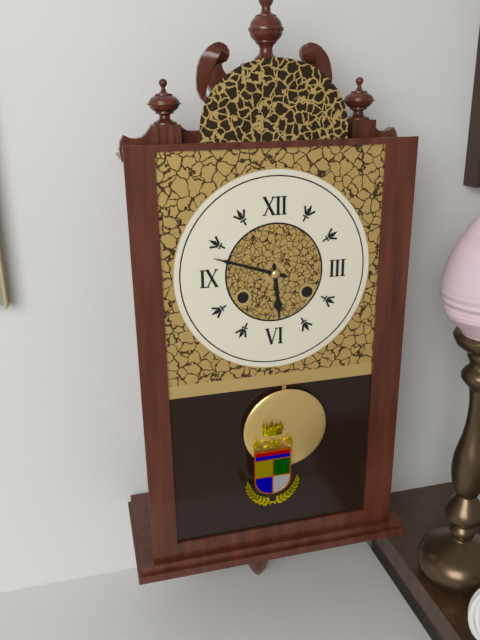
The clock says 5:48
